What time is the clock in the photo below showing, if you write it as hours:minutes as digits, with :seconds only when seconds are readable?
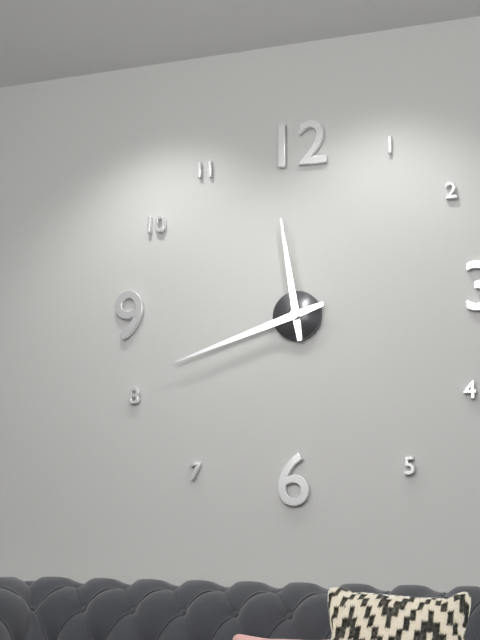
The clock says 11:42
